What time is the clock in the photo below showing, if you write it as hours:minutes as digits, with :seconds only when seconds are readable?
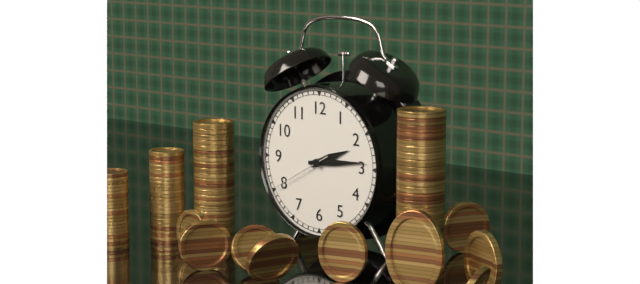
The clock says 2:14:40
